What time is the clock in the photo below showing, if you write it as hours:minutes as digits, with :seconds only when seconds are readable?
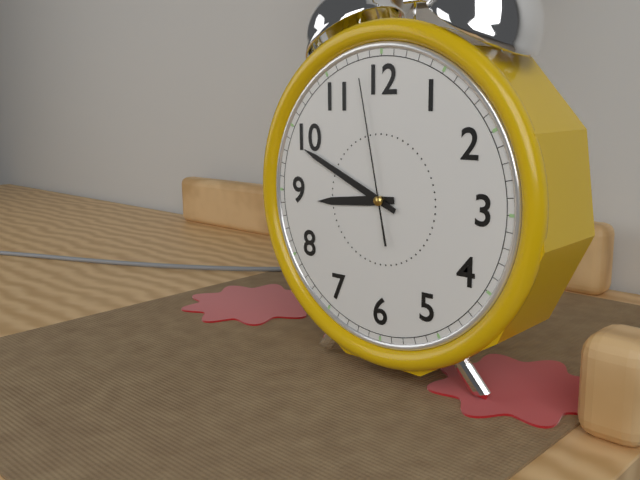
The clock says 8:49:58
